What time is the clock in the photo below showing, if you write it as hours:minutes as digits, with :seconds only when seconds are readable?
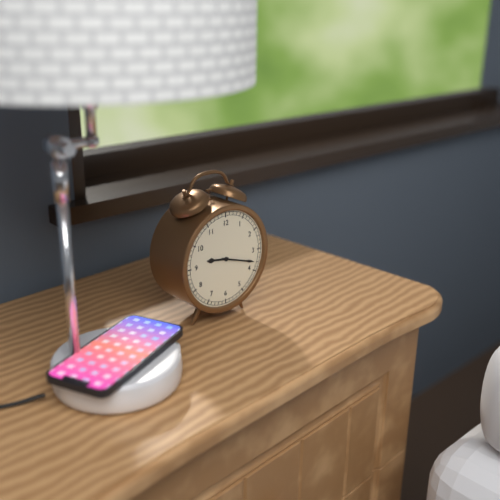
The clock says 9:18
